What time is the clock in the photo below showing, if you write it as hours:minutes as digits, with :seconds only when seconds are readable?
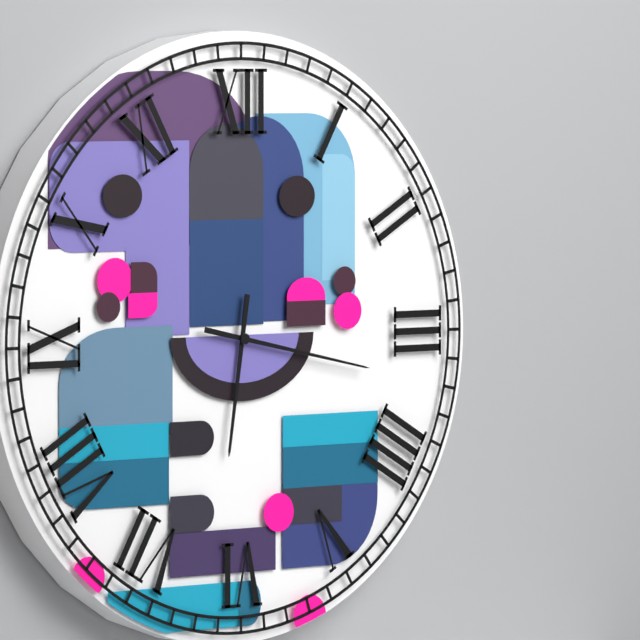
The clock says 6:17
